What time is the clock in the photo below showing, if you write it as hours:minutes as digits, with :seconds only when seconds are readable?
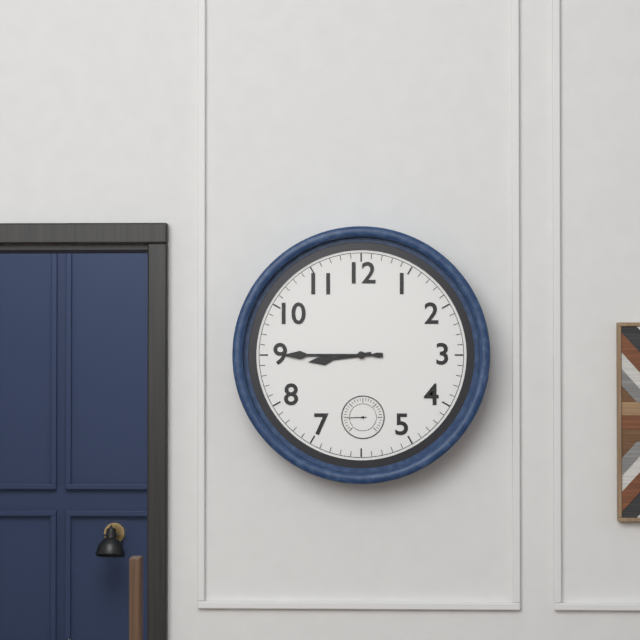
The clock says 8:45
